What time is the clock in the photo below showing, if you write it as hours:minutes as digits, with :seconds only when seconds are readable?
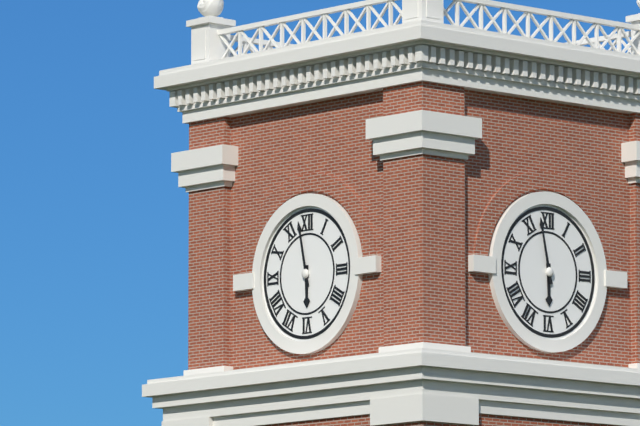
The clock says 5:58
